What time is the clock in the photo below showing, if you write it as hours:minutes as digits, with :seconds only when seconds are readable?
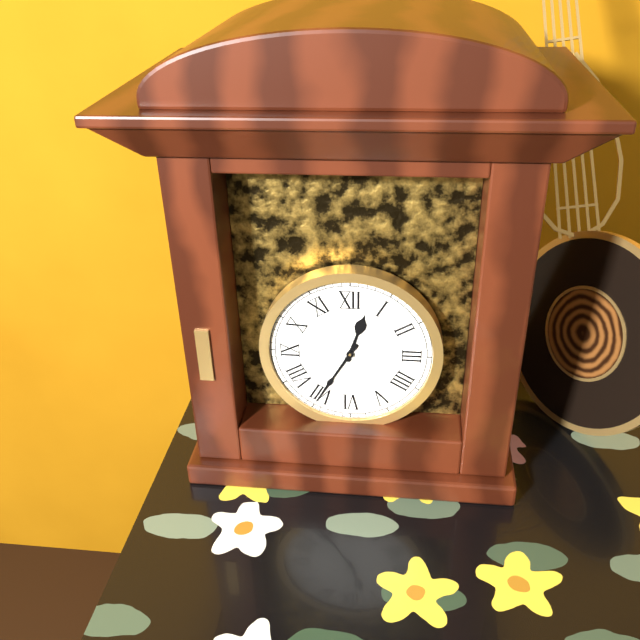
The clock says 12:35
